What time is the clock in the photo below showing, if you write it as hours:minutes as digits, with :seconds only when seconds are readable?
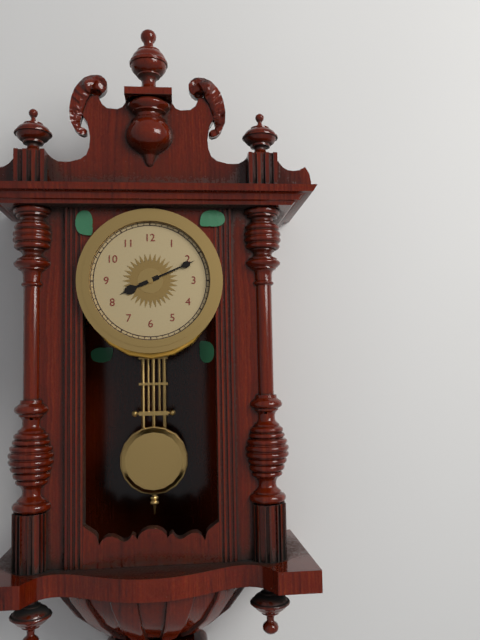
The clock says 8:11
